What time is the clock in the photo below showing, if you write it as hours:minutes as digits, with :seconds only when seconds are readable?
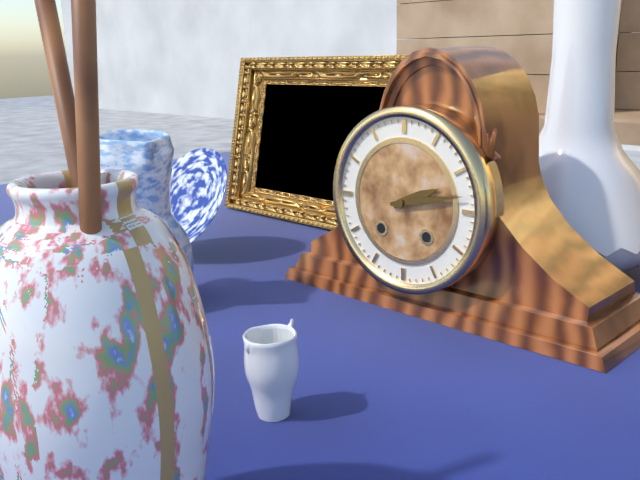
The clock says 2:13
